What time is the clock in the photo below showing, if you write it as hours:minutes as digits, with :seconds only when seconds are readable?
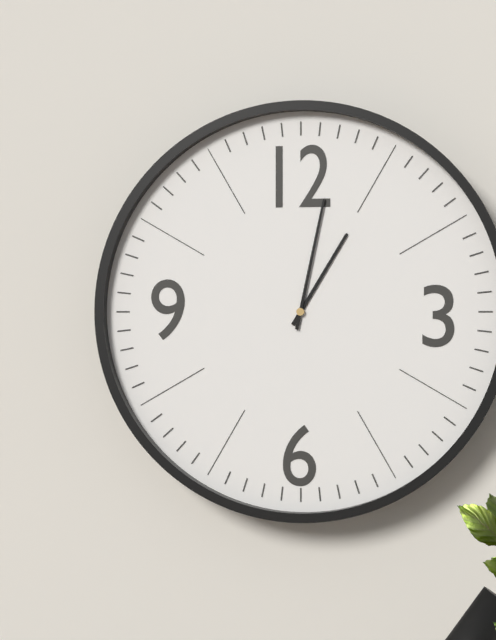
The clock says 1:02
